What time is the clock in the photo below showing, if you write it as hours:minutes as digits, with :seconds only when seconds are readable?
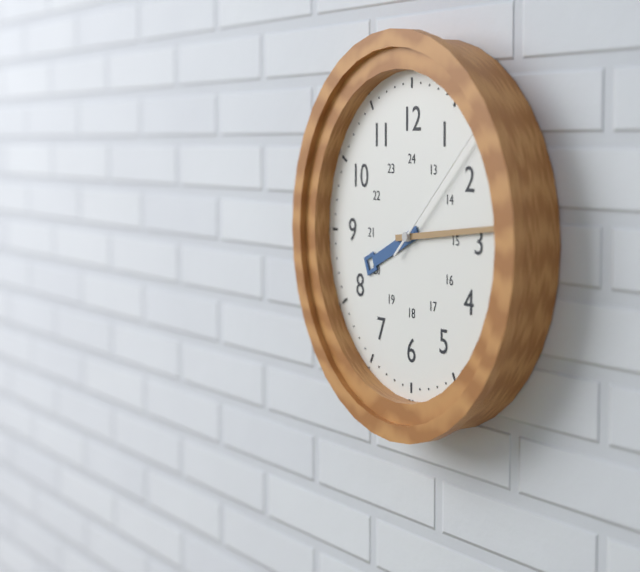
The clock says 8:14:08
